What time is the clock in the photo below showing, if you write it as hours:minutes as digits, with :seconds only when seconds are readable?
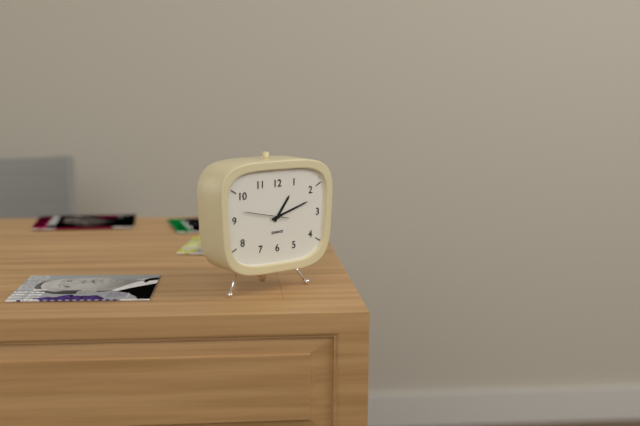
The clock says 1:12
